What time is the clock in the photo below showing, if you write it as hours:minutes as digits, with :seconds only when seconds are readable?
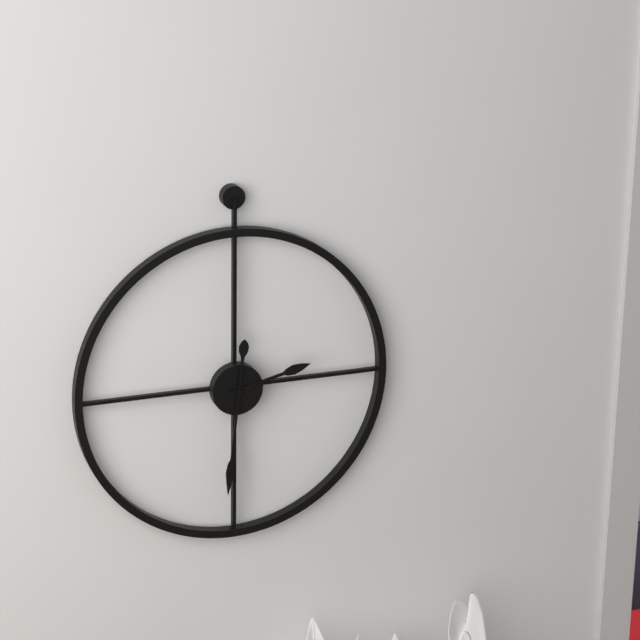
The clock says 2:31
